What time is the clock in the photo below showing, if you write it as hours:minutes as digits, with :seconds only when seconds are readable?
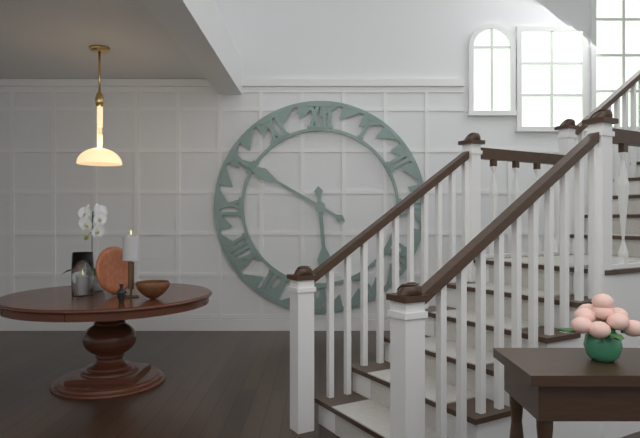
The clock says 5:50
